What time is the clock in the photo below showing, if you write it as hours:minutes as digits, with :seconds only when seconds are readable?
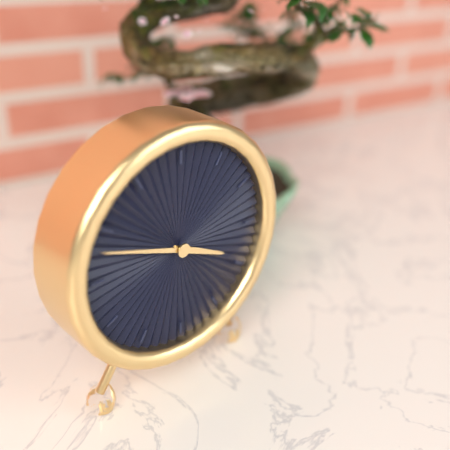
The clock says 3:48
